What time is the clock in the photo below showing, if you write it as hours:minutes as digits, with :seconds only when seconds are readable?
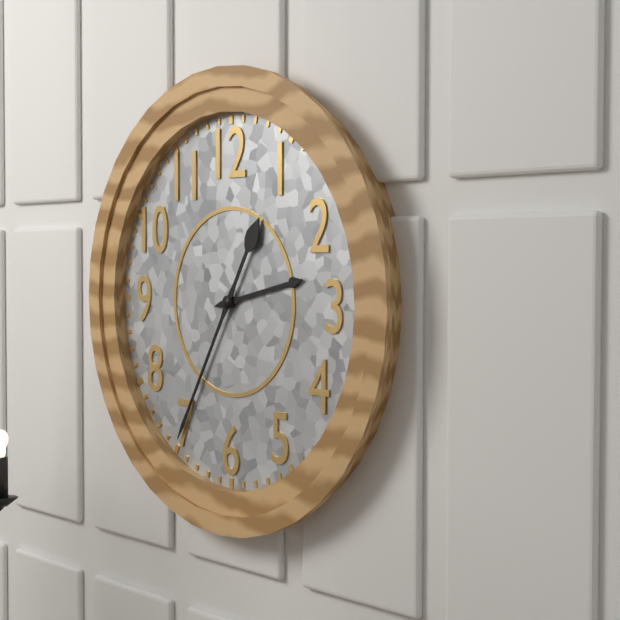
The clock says 2:35
